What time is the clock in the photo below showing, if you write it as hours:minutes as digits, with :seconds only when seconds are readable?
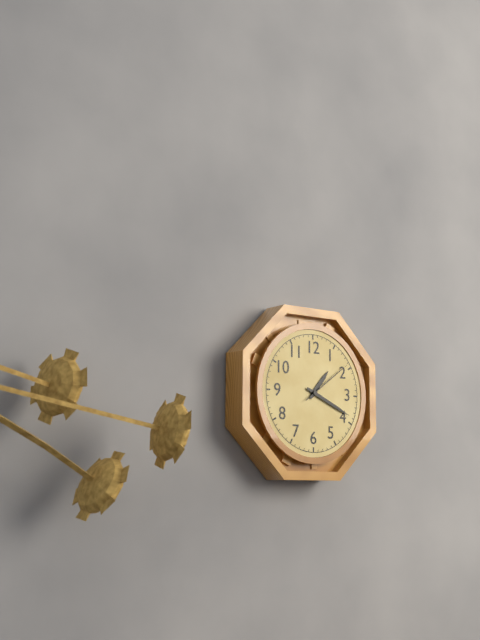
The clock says 1:19:09
